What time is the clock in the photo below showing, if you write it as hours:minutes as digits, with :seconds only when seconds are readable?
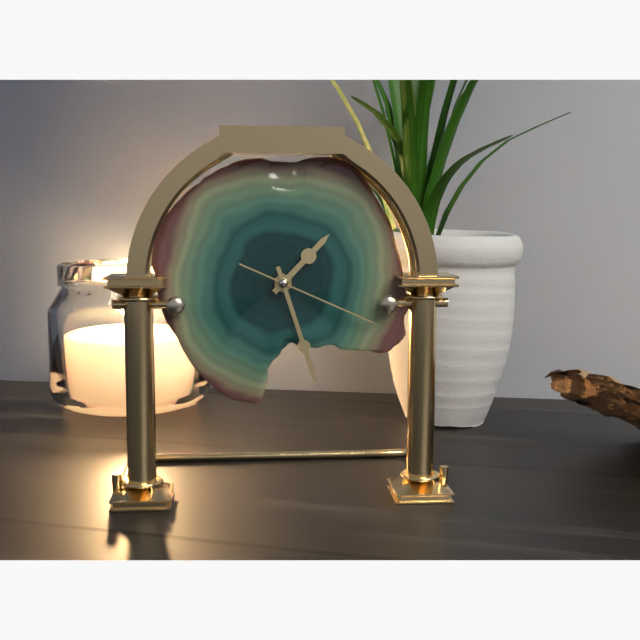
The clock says 1:27:19
